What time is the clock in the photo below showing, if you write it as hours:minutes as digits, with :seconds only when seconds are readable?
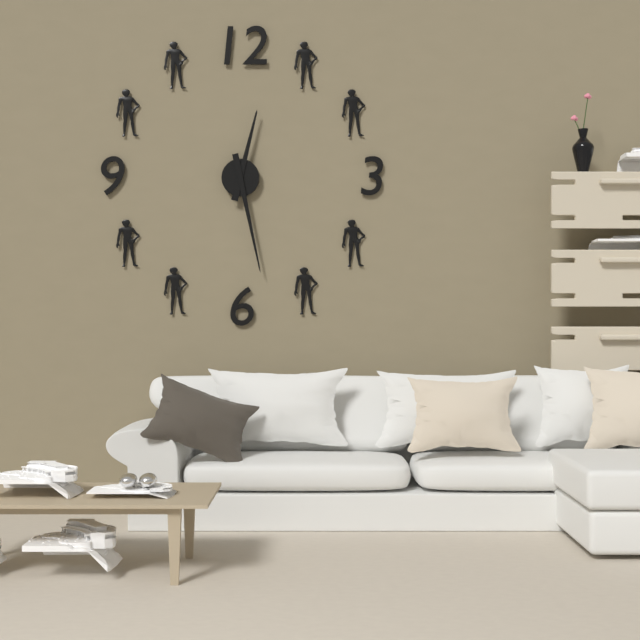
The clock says 12:28
